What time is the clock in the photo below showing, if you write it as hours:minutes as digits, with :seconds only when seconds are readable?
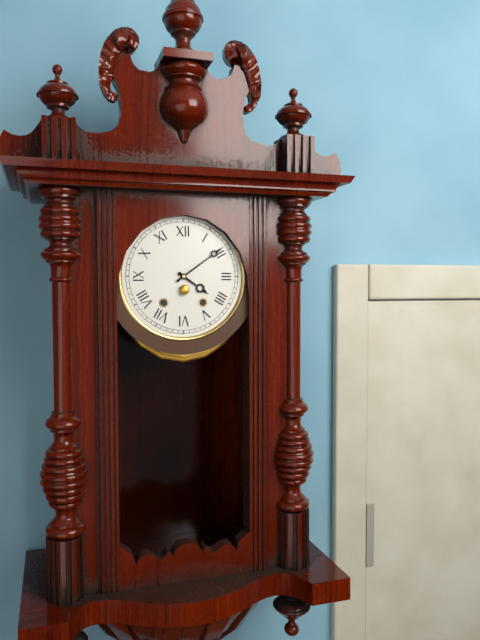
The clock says 4:09
